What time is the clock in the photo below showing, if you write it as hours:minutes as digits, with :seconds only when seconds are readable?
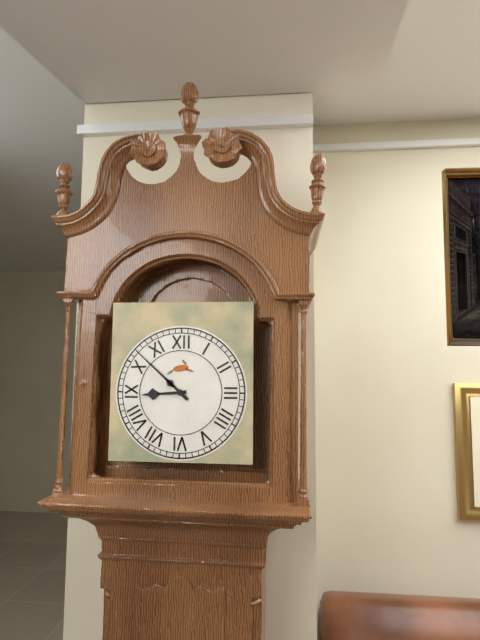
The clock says 8:52
